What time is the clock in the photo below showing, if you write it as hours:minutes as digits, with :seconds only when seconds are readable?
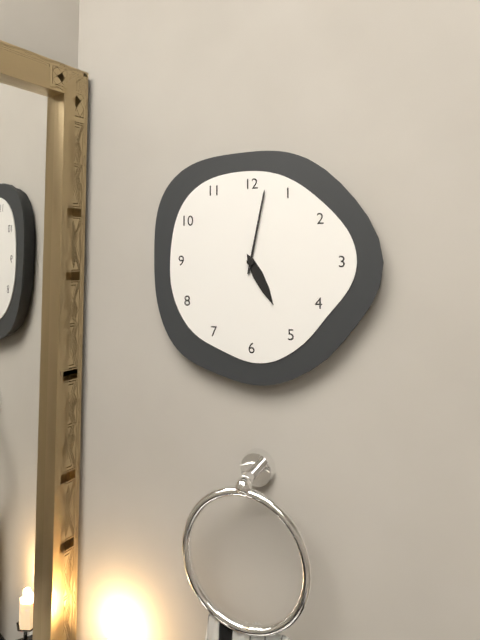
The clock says 5:02
